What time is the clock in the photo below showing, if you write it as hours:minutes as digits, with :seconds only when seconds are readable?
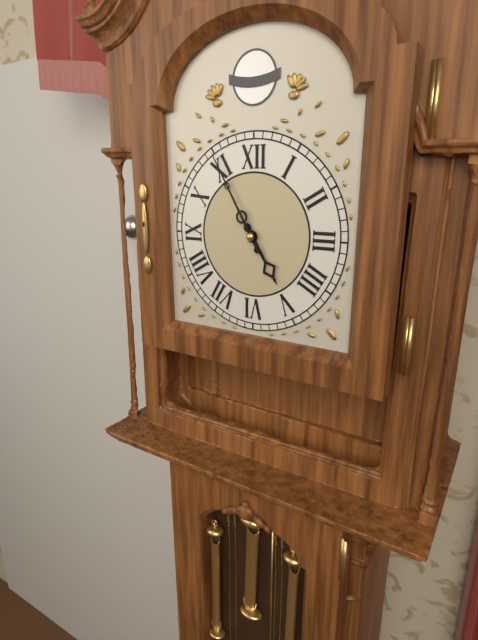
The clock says 4:55
